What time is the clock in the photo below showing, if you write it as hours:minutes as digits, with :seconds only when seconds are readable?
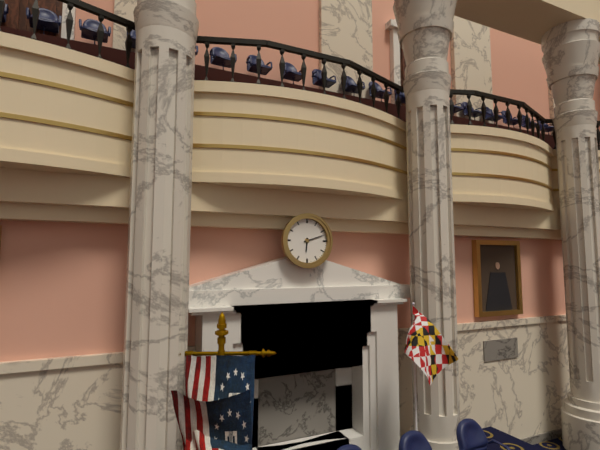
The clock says 6:12
